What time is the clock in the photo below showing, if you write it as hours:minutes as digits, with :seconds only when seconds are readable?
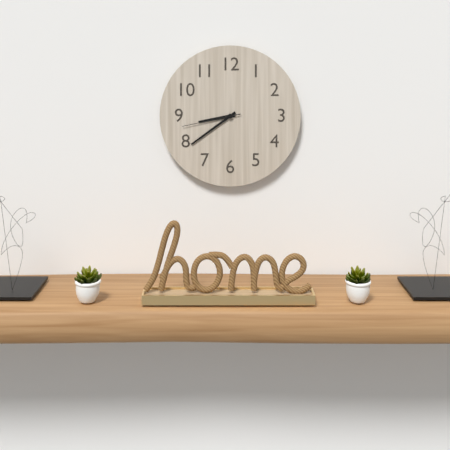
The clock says 8:39:43
